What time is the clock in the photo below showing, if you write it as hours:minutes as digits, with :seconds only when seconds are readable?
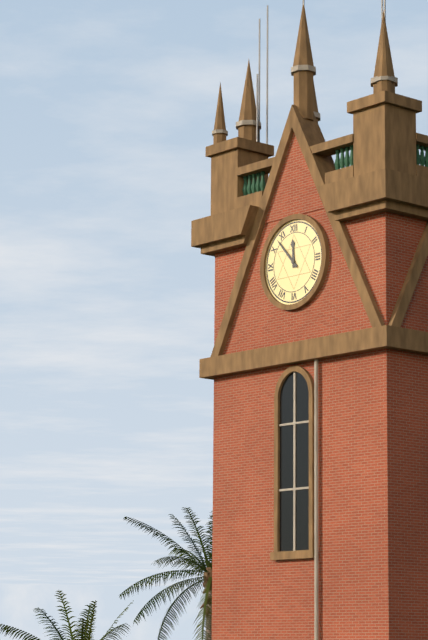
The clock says 11:53
